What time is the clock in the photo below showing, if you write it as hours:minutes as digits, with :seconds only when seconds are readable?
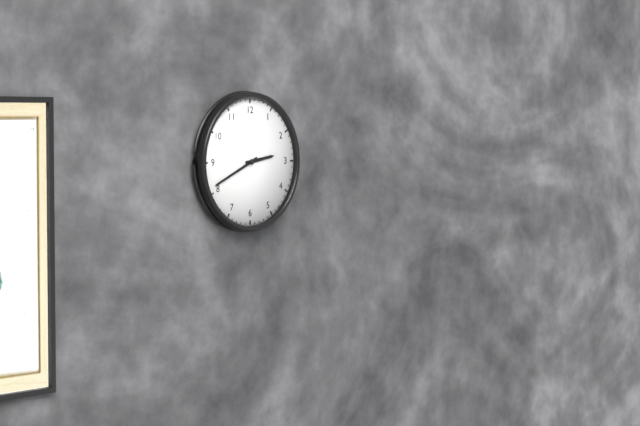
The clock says 2:41
